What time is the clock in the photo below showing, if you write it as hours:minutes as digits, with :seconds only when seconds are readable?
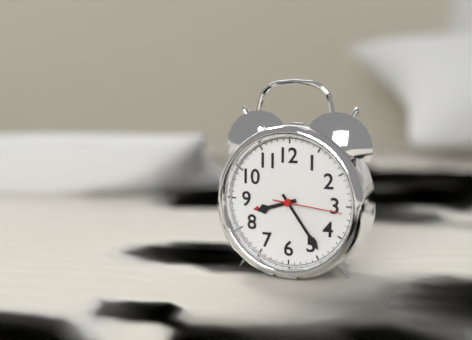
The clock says 8:24:16
